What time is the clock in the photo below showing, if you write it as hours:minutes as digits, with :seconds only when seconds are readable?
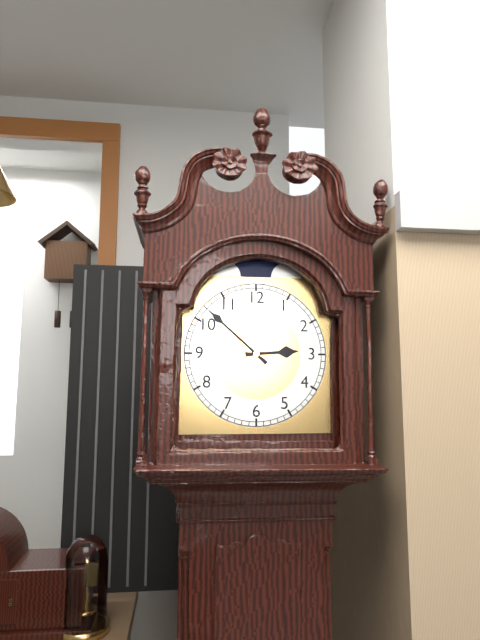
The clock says 2:52
